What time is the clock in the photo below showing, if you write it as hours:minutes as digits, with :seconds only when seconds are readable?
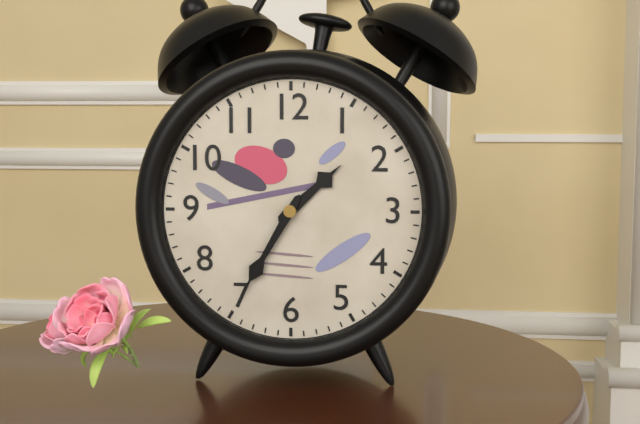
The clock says 1:35
